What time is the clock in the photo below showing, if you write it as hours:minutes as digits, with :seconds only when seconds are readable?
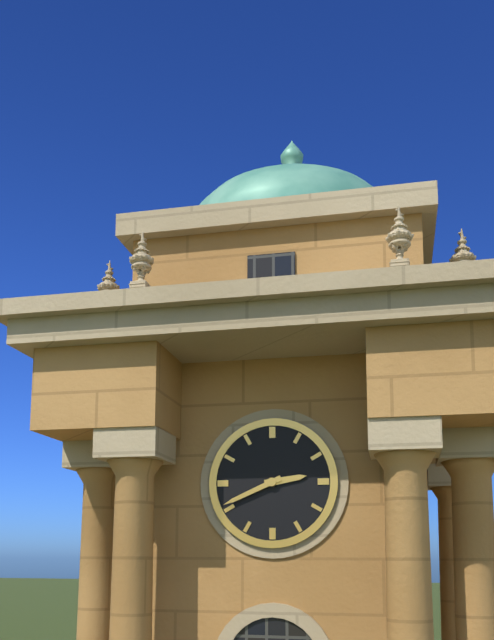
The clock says 2:41
